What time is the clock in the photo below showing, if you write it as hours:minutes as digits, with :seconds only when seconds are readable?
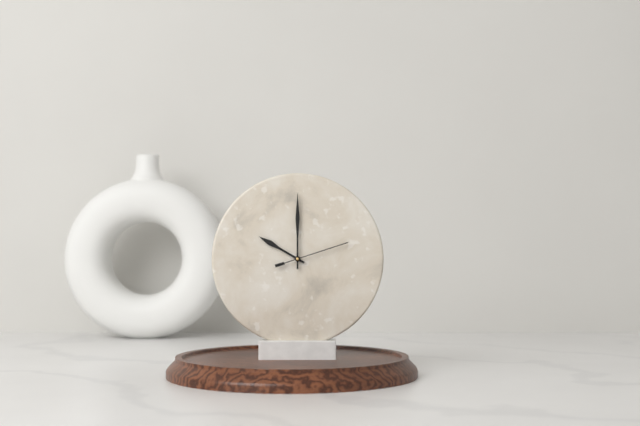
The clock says 10:00:12
